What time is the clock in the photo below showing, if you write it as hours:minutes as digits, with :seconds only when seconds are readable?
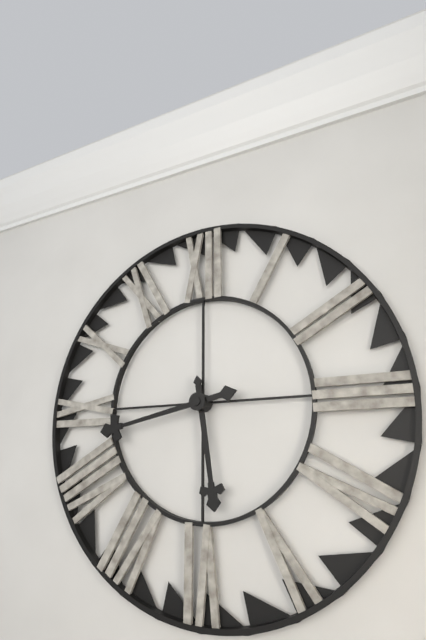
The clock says 5:43
